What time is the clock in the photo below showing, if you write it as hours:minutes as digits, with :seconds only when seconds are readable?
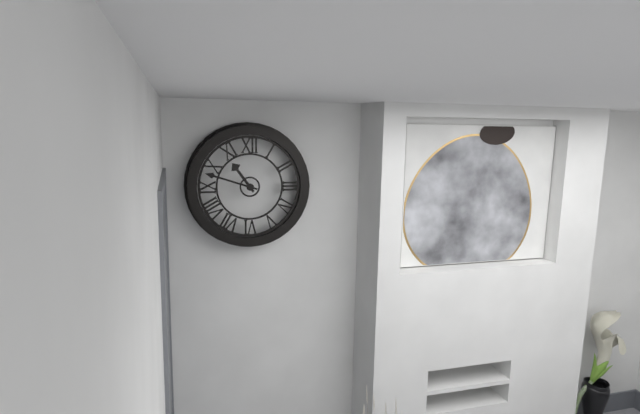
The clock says 10:48
